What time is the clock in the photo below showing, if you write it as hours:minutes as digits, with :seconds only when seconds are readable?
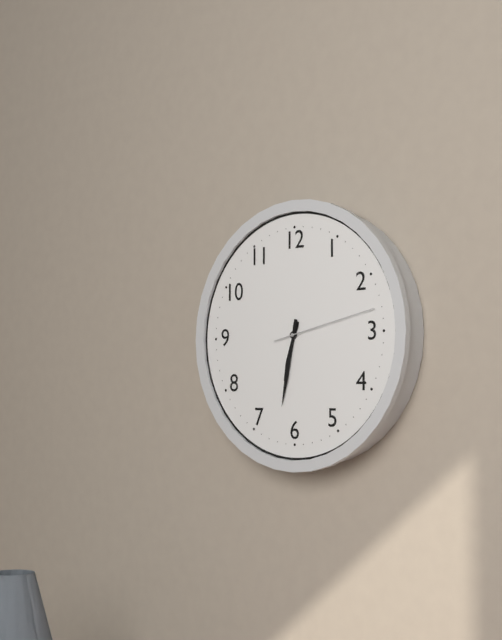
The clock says 6:32:13
